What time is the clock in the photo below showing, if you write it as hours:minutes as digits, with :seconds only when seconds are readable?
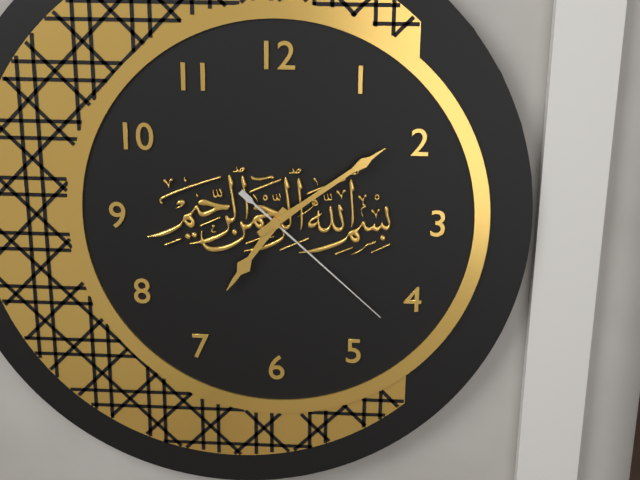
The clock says 7:09:22
